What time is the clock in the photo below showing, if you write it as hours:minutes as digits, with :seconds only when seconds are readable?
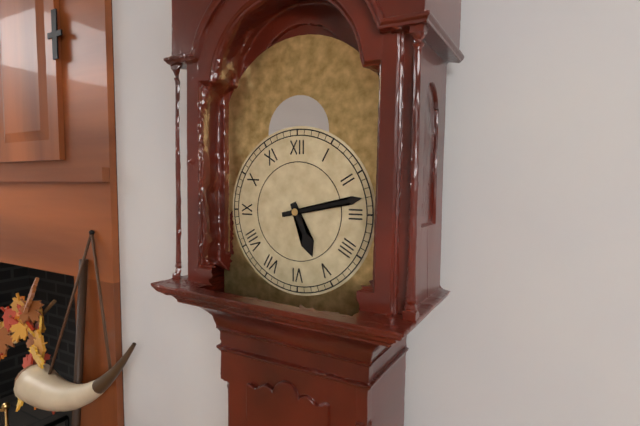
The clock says 5:13
